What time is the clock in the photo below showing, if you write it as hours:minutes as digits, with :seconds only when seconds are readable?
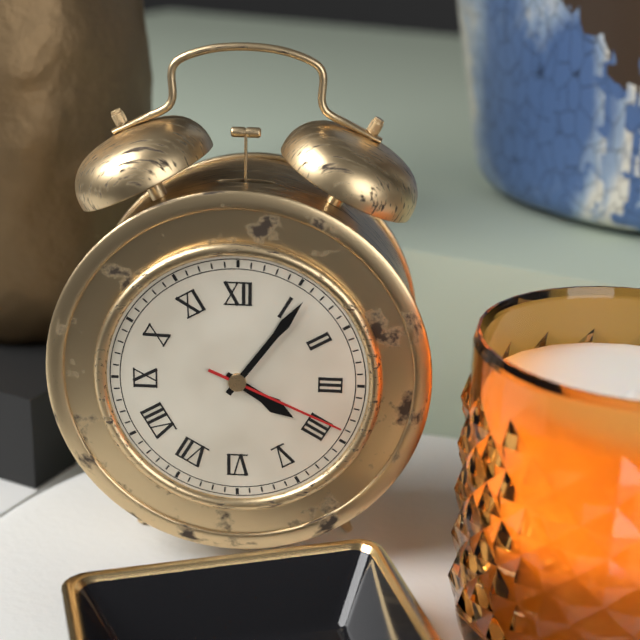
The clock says 4:06:19
